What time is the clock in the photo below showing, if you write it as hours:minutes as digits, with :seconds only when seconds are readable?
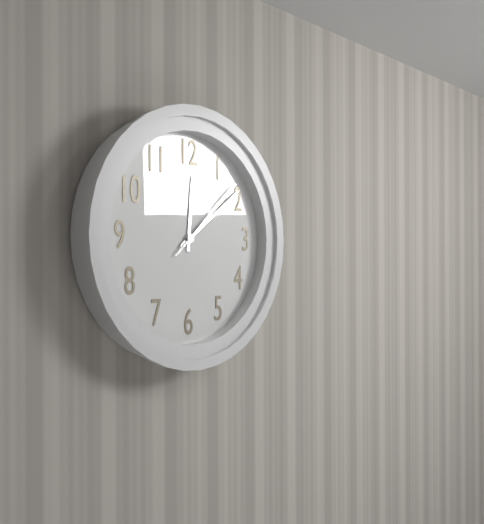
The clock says 12:09:08
